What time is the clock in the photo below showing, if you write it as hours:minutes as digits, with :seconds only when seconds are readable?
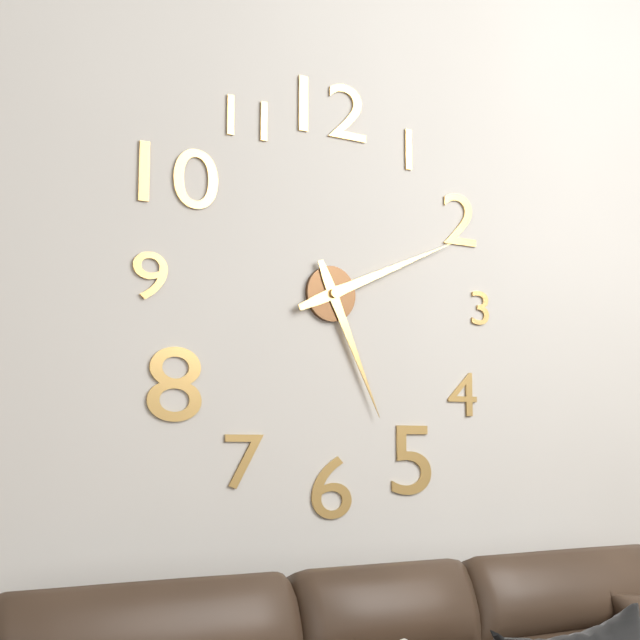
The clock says 5:11
